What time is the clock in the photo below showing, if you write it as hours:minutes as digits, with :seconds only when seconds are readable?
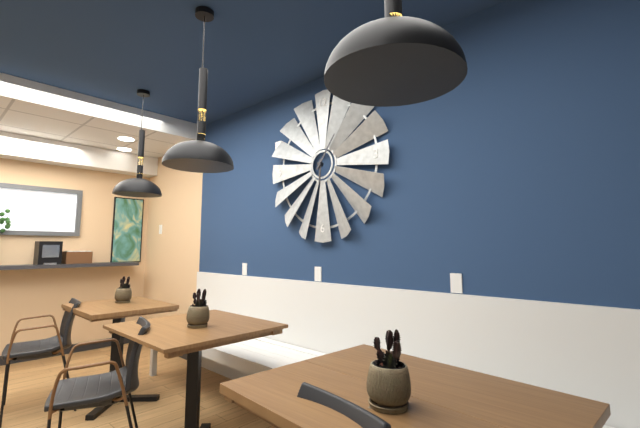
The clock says 6:06
